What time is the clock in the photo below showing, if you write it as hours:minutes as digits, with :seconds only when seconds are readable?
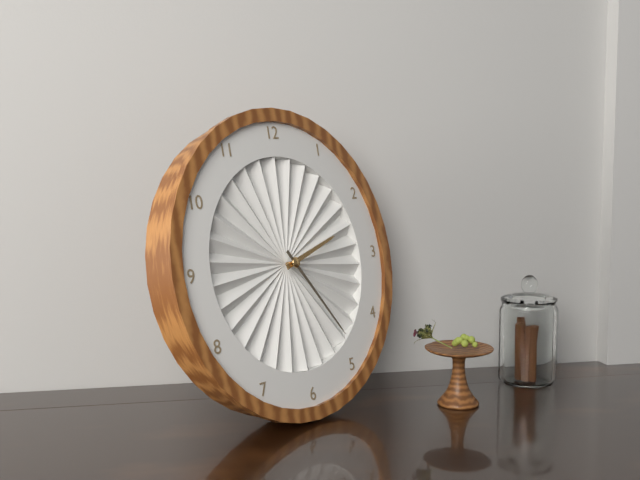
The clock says 2:24
